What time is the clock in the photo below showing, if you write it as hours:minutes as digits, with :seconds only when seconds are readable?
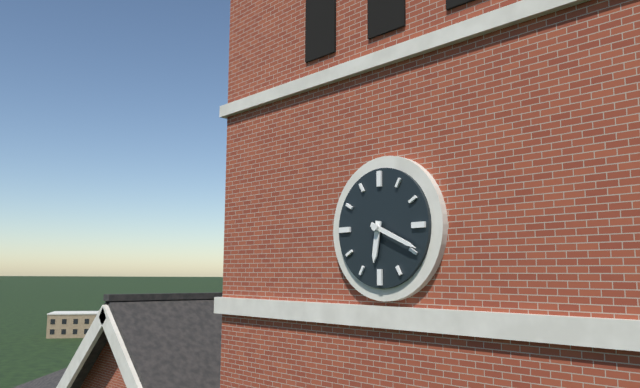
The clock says 6:19
